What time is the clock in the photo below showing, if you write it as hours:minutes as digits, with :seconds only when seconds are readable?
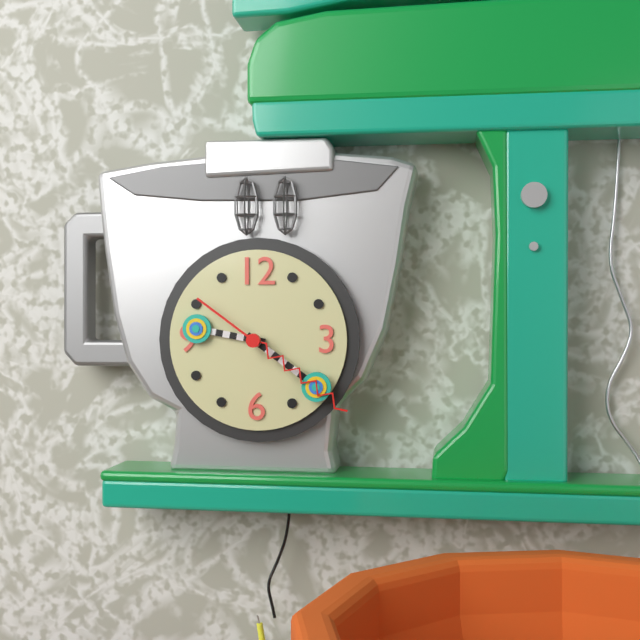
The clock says 9:21:21
